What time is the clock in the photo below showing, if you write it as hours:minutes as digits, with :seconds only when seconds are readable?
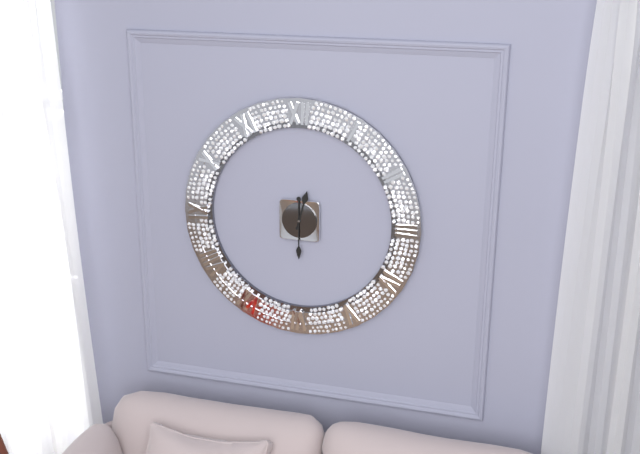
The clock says 12:30
